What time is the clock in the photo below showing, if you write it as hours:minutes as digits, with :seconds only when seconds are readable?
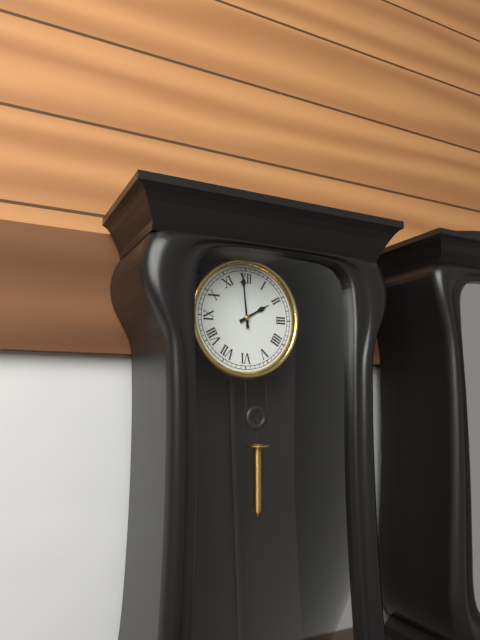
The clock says 1:59
